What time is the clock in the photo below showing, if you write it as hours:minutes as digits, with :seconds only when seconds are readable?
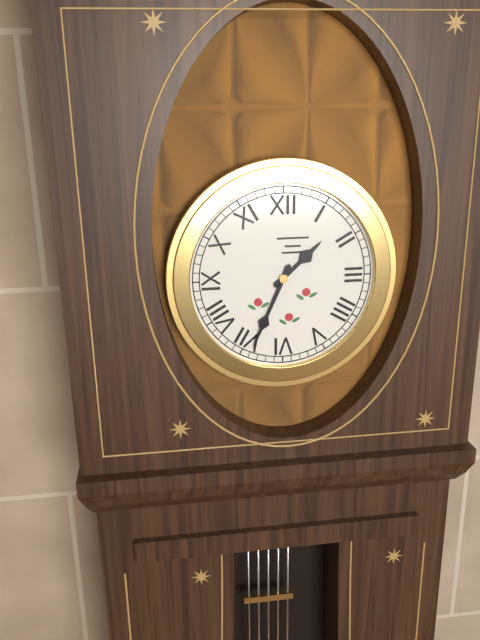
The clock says 1:34
